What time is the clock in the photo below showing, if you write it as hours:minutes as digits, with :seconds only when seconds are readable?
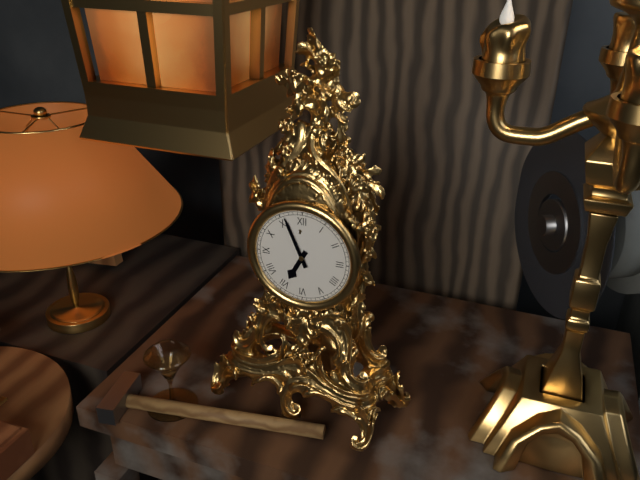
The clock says 6:56
